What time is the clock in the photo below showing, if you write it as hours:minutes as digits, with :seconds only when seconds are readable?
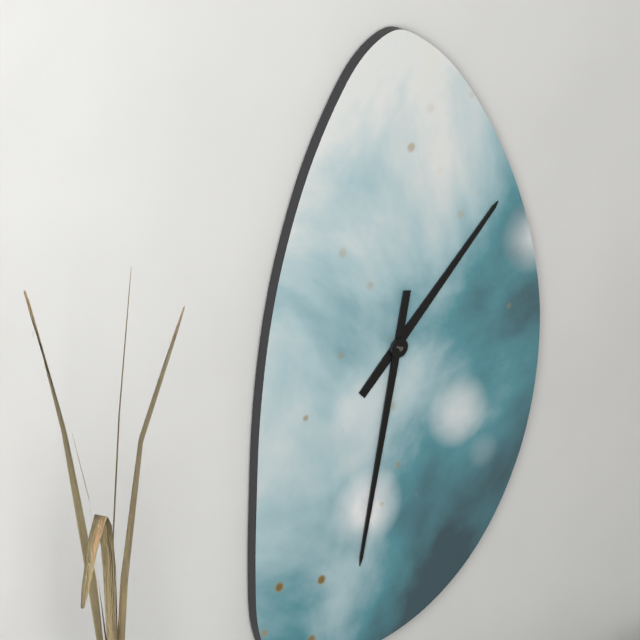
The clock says 1:32
